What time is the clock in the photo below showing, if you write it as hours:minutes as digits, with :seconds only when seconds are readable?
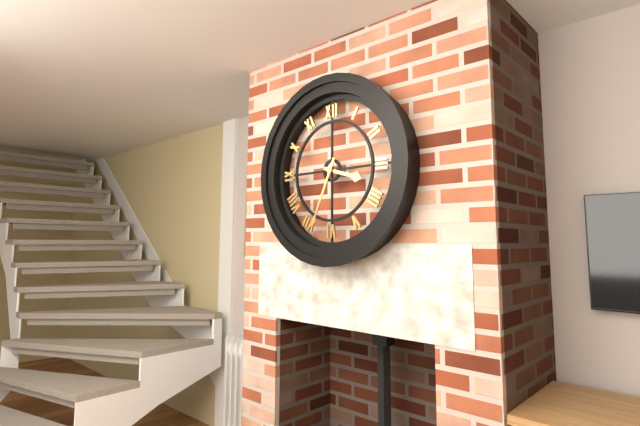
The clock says 3:34
